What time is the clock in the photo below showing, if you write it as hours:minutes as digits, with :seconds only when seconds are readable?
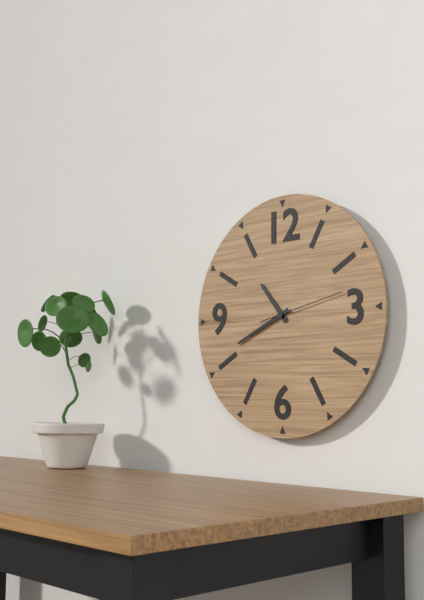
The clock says 10:41:13
